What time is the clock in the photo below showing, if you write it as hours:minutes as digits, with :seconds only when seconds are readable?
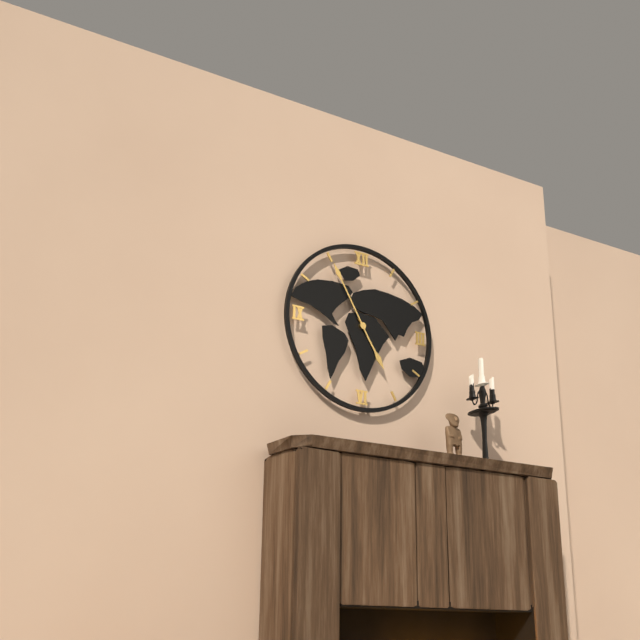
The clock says 4:55
